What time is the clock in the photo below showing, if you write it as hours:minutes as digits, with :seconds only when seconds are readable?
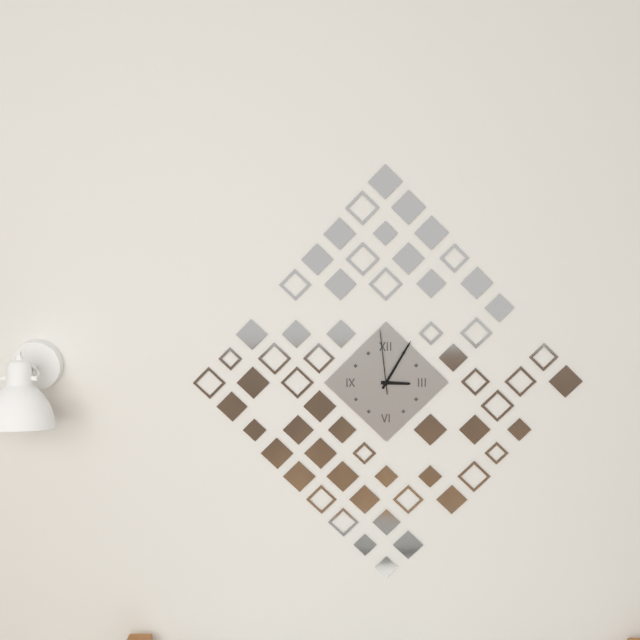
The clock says 3:05:59
